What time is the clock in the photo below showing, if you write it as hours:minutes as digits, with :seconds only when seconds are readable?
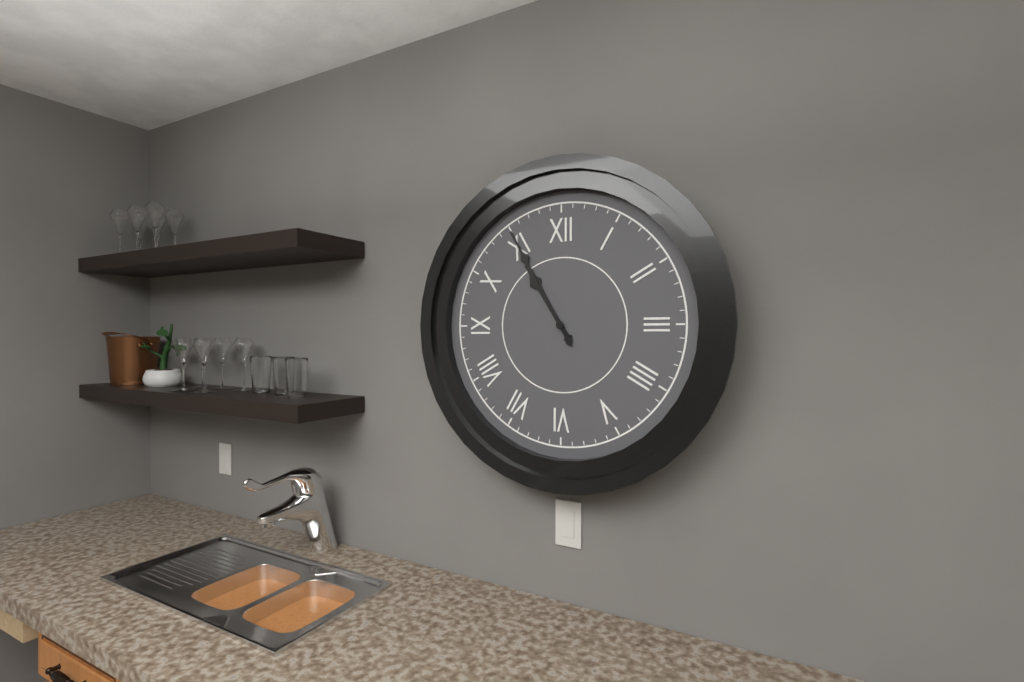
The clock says 10:55
